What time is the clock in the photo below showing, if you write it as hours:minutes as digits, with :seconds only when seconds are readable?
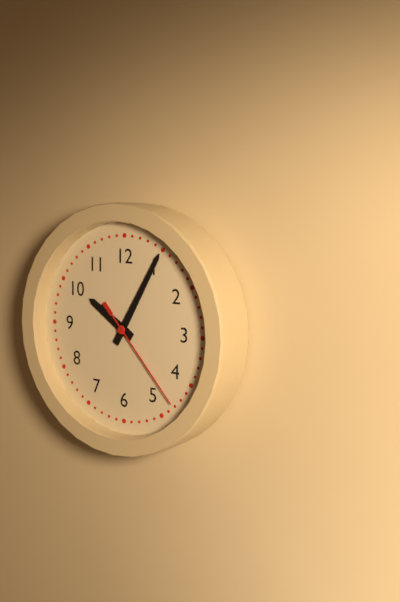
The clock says 10:05:23
